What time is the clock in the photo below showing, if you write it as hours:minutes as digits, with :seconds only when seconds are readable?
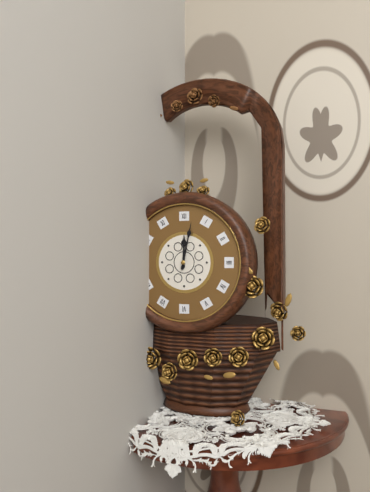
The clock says 12:02
